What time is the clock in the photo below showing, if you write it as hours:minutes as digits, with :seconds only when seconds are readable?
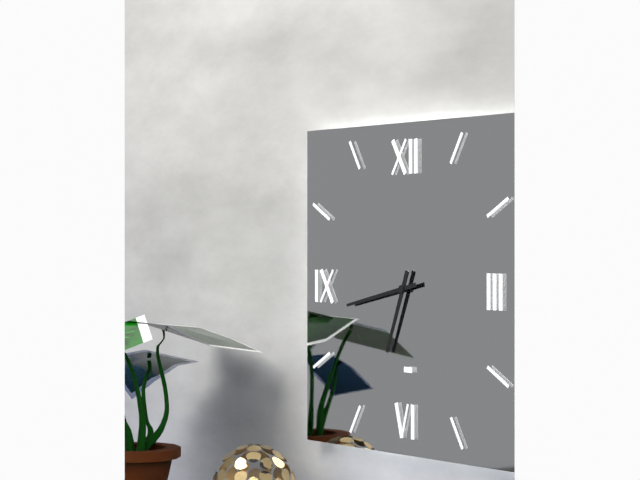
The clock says 6:43
